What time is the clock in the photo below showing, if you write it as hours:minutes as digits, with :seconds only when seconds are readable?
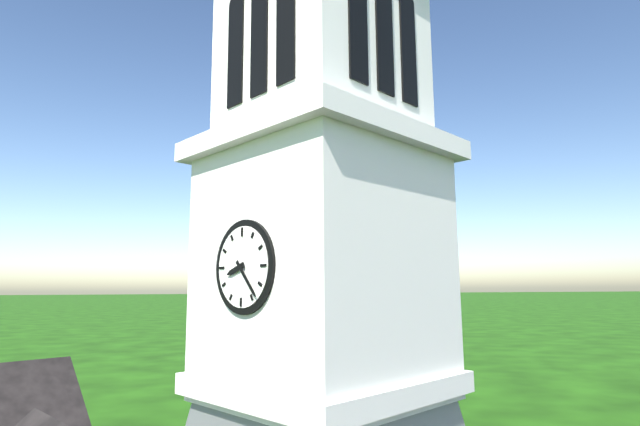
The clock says 8:23
